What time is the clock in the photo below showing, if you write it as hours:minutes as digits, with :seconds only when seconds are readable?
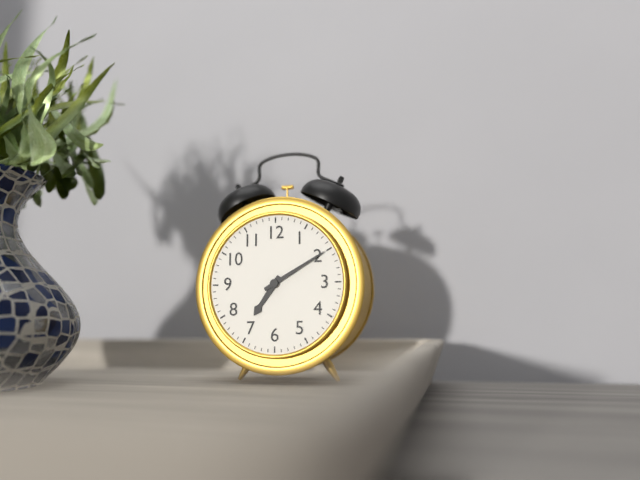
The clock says 7:10
